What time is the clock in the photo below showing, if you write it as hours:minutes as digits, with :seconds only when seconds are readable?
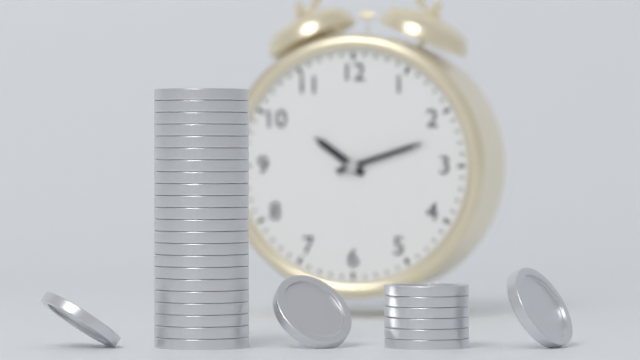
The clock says 10:12
